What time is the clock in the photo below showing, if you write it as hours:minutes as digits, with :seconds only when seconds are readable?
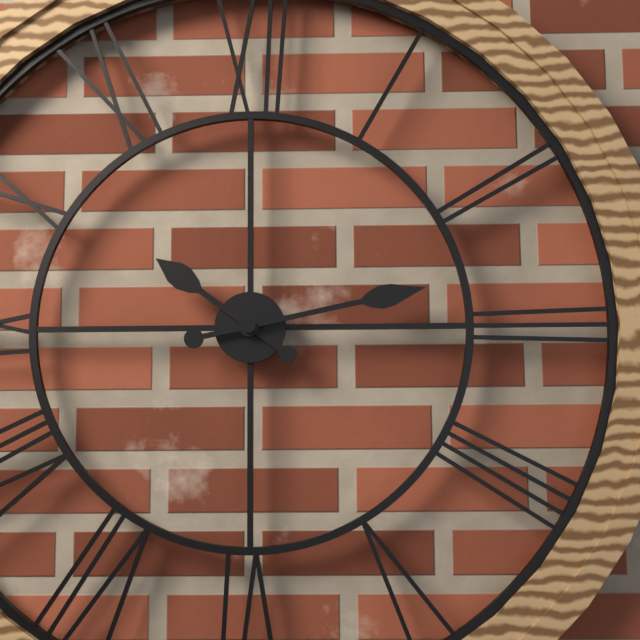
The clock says 10:13
